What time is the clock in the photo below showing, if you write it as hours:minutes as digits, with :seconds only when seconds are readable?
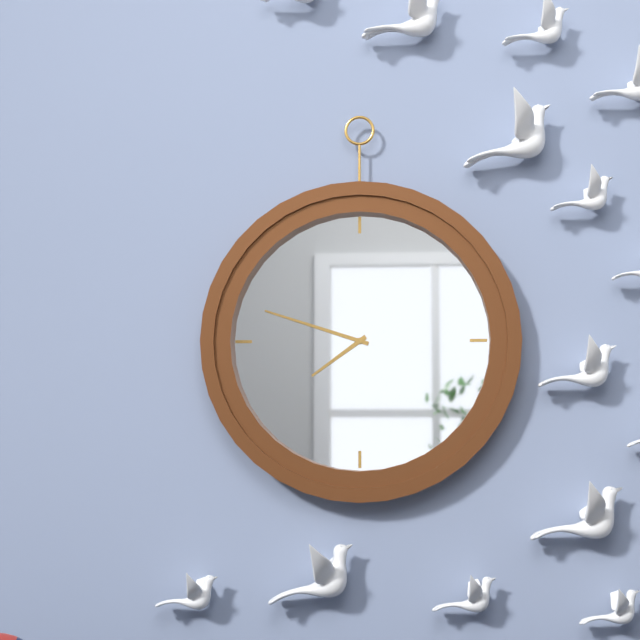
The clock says 7:48
